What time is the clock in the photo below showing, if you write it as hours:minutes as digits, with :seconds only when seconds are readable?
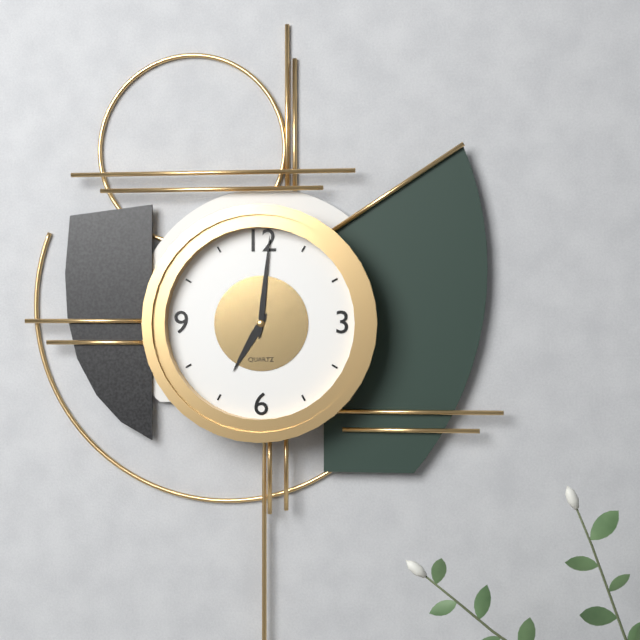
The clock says 7:01
